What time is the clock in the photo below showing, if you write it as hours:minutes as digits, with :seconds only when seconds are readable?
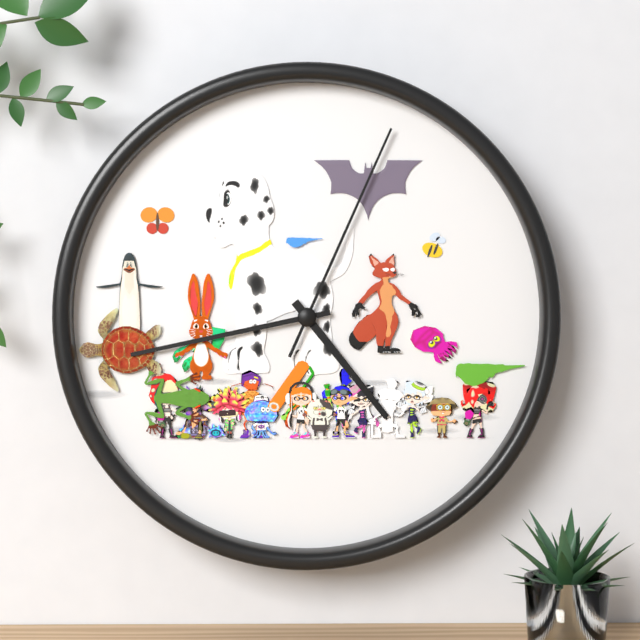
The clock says 4:43:04
